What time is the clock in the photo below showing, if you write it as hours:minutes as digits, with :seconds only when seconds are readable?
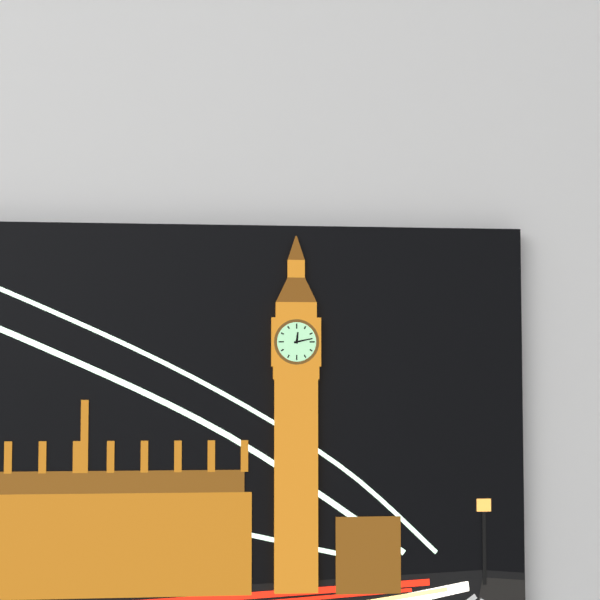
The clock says 12:13
